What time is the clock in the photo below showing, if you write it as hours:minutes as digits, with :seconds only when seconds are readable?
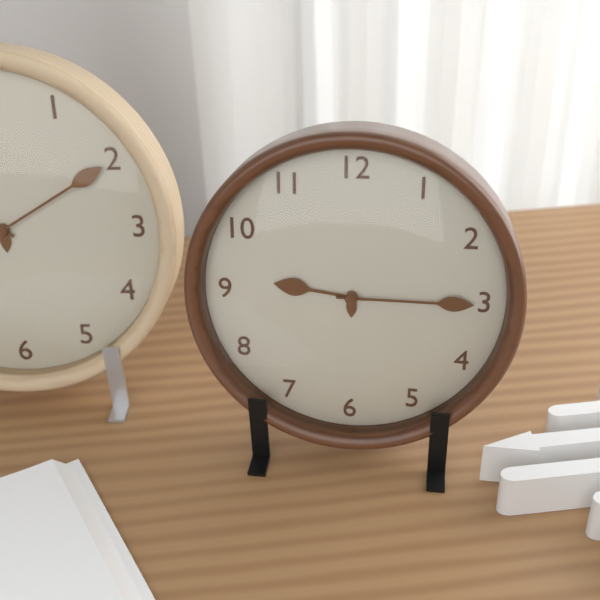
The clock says 9:15
